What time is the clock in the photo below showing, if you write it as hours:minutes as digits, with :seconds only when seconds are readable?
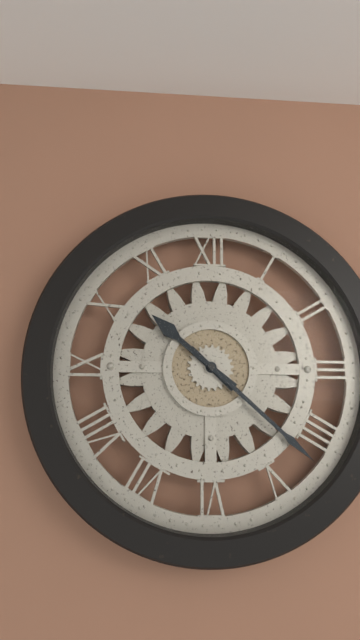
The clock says 10:22
